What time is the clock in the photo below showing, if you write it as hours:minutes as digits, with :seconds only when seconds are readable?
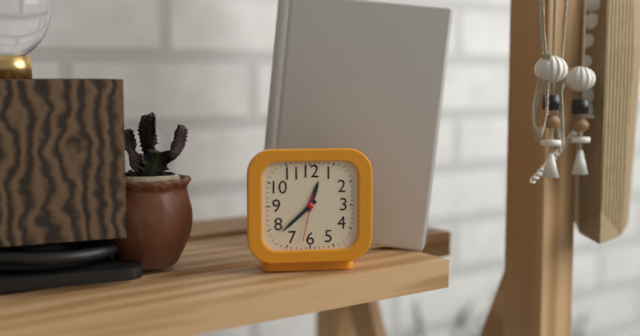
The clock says 12:38:32
